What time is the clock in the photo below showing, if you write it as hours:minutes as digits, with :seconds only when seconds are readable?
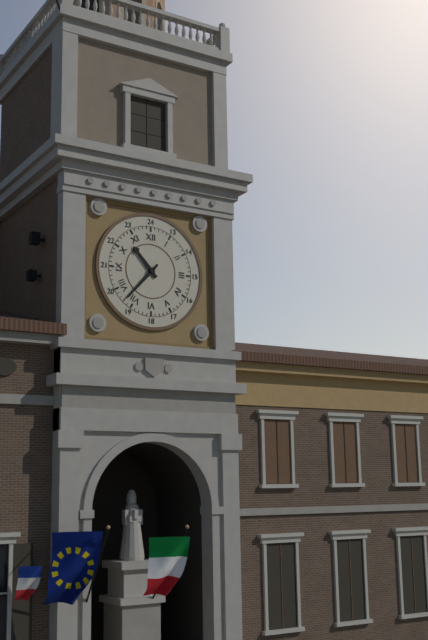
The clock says 10:37
